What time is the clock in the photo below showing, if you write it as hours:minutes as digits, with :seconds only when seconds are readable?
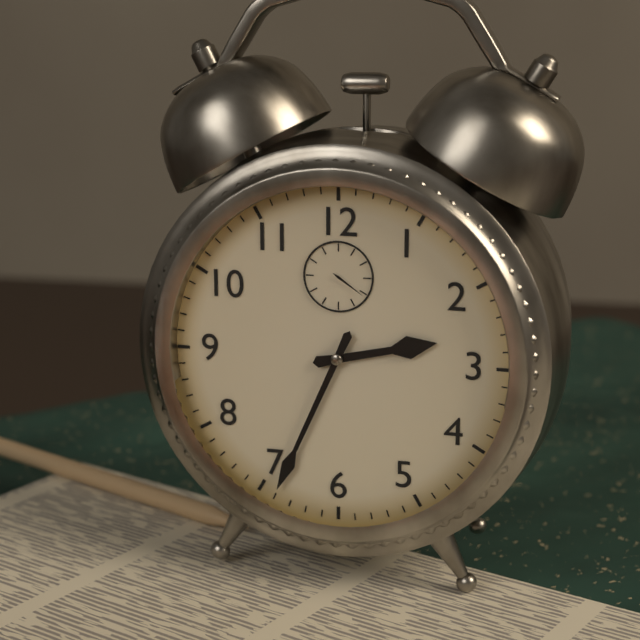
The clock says 2:34
